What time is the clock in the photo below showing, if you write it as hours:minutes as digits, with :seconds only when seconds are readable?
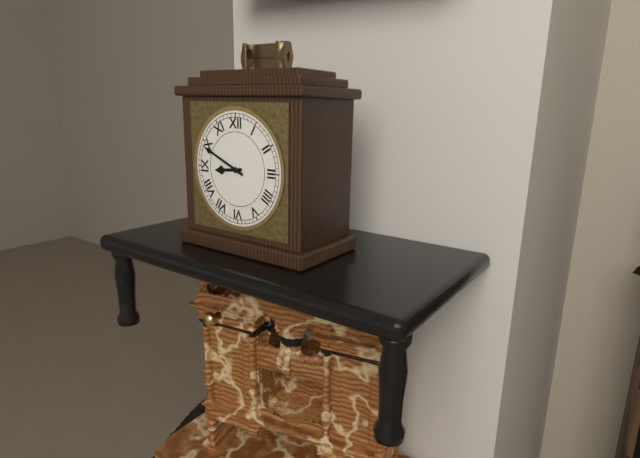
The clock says 8:49
